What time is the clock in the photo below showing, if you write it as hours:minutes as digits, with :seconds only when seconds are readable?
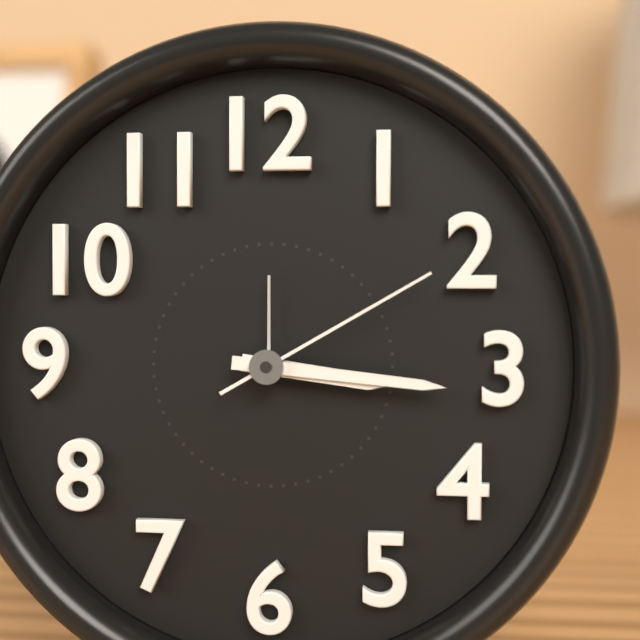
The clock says 3:16:10
